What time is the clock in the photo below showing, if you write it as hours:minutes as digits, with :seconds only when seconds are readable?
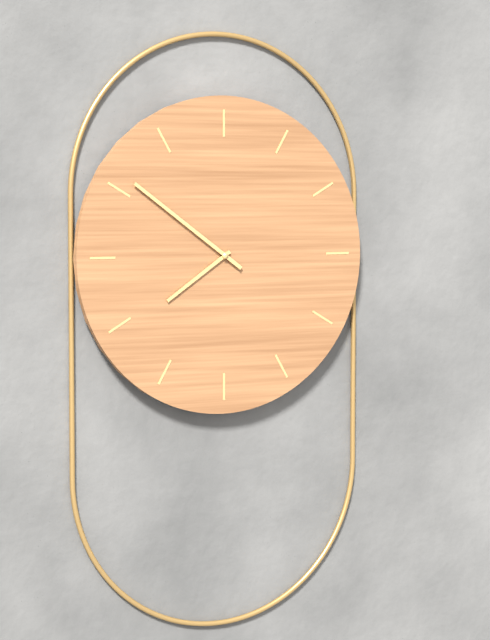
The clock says 7:51
